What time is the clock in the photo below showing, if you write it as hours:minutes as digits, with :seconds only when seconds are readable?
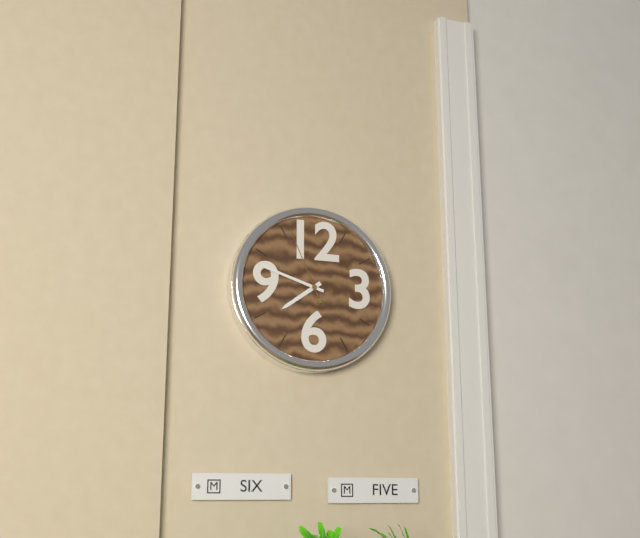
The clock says 7:48:56
